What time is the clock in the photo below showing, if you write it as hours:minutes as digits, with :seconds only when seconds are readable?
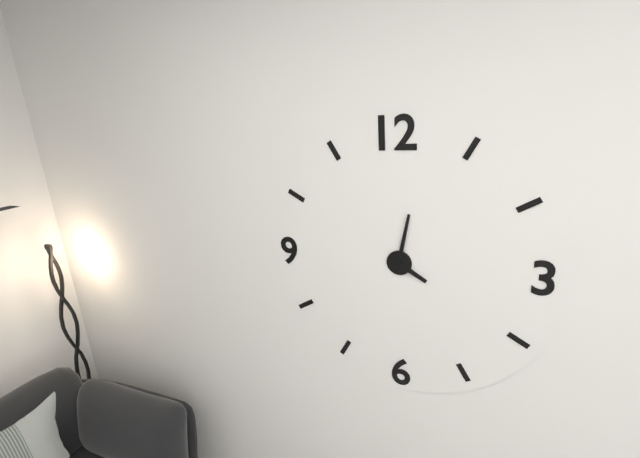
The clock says 4:02
